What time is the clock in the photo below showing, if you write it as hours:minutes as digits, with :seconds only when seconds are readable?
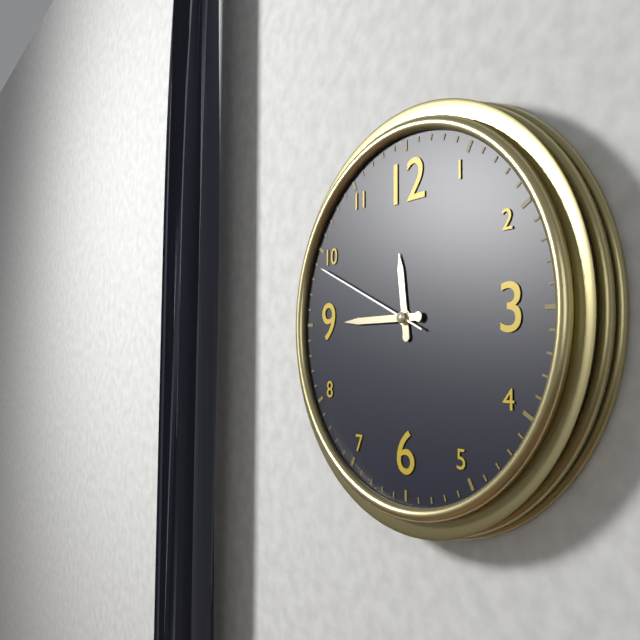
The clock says 11:45:49
